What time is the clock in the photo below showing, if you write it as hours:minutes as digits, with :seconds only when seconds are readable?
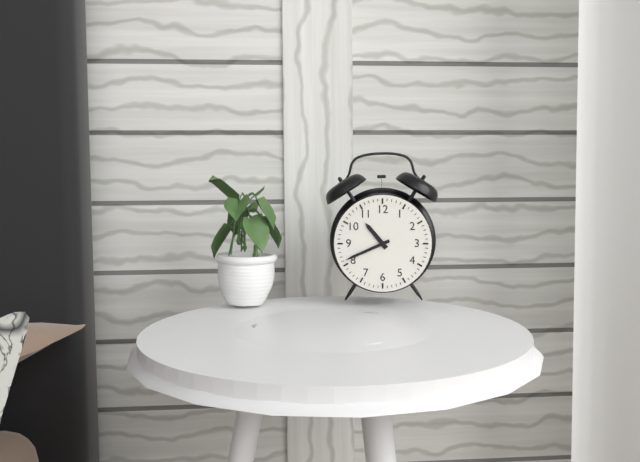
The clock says 10:41
